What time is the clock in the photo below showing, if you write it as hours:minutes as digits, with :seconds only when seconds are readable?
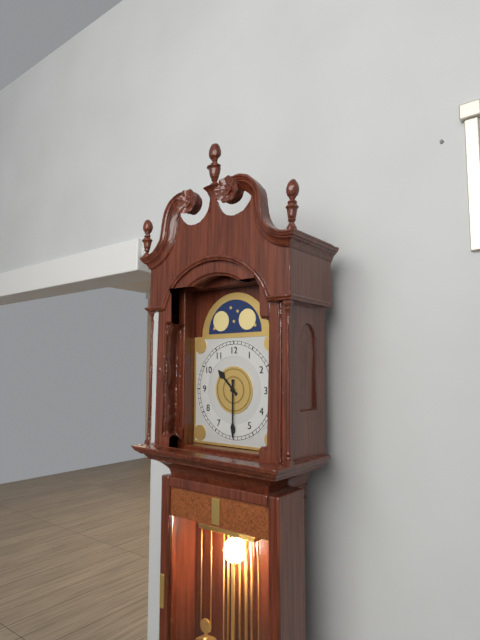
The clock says 10:30
